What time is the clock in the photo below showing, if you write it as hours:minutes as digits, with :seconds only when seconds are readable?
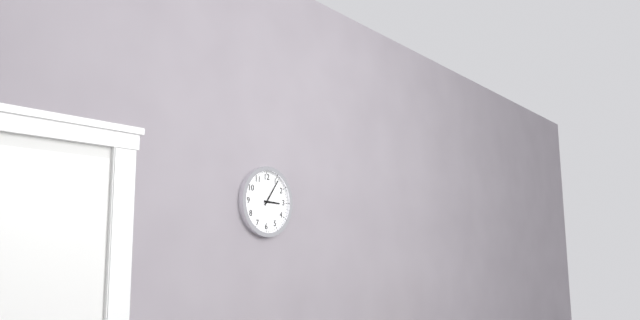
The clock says 3:06
